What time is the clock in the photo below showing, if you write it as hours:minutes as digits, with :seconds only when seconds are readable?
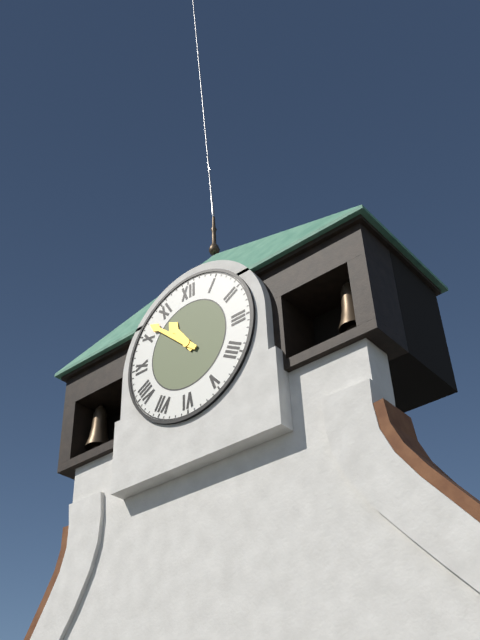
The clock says 10:52
